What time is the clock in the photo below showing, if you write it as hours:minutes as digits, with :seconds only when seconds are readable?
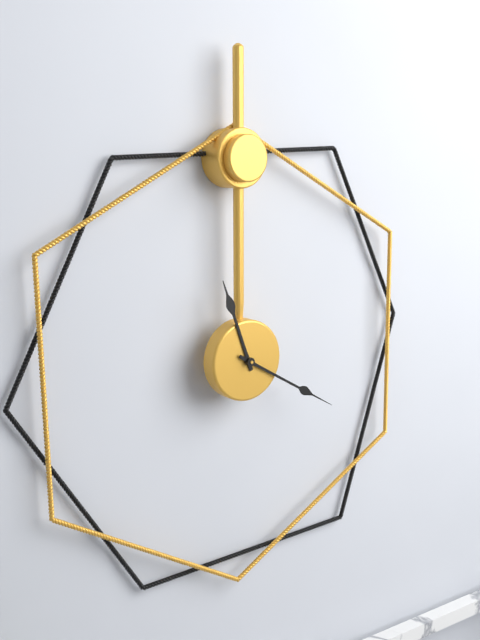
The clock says 11:20
